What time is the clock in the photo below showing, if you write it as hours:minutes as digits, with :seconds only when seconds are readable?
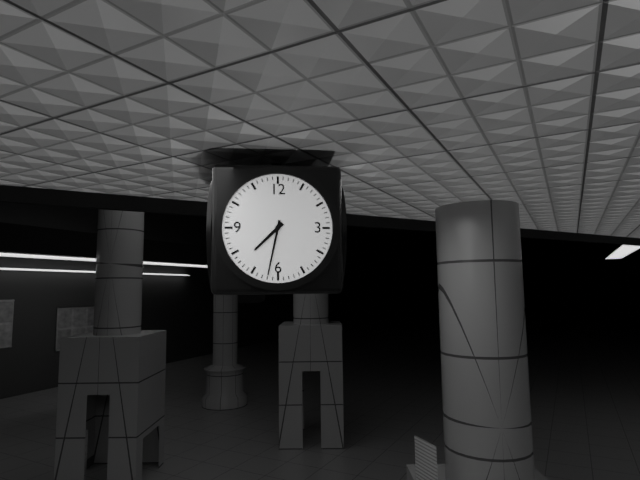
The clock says 7:32
